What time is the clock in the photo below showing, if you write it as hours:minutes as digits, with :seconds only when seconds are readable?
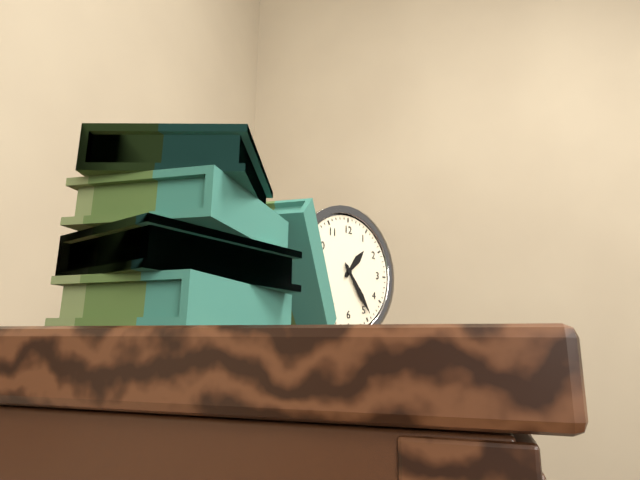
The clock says 1:24
